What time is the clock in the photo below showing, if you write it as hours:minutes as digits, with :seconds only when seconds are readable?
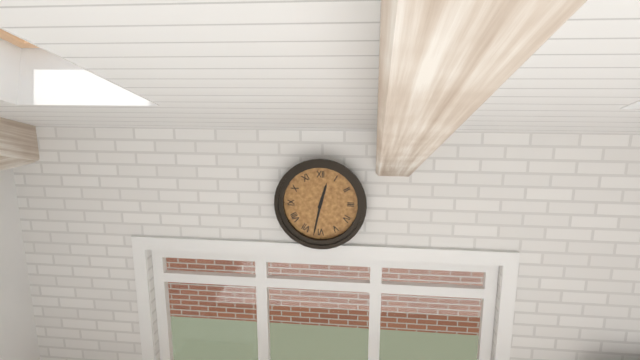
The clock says 12:32
